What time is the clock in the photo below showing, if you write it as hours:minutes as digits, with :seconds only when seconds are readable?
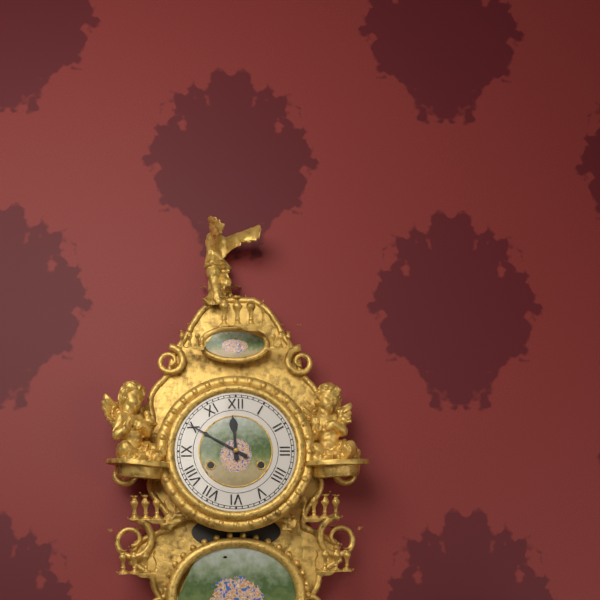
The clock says 11:50
